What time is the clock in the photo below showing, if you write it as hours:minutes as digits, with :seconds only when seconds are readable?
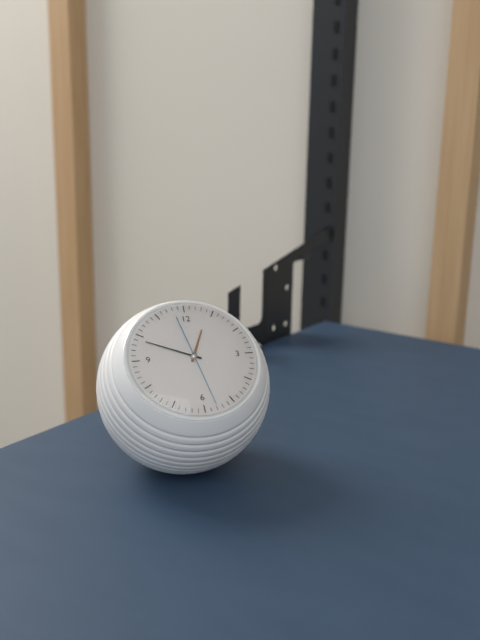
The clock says 12:49:28
